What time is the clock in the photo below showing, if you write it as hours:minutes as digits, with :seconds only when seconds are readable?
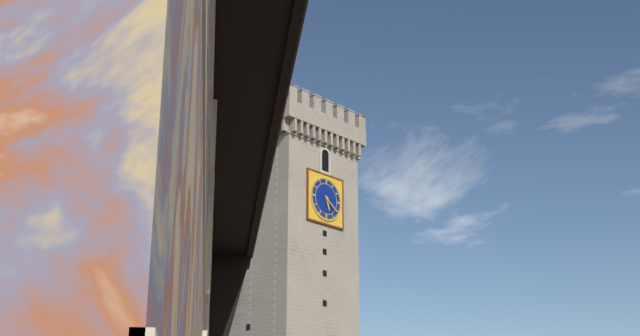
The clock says 5:21
